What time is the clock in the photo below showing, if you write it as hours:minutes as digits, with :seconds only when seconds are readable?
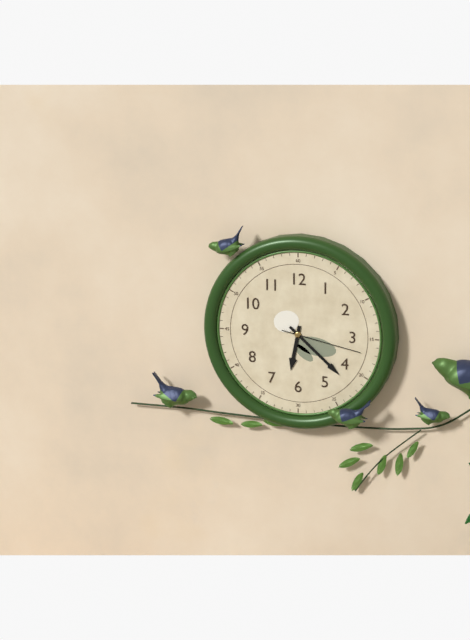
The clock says 6:22:17
